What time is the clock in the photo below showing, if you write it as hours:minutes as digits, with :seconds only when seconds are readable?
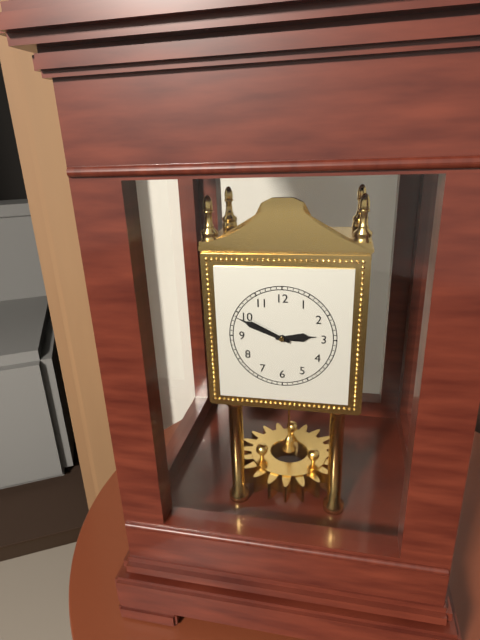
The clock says 2:49
